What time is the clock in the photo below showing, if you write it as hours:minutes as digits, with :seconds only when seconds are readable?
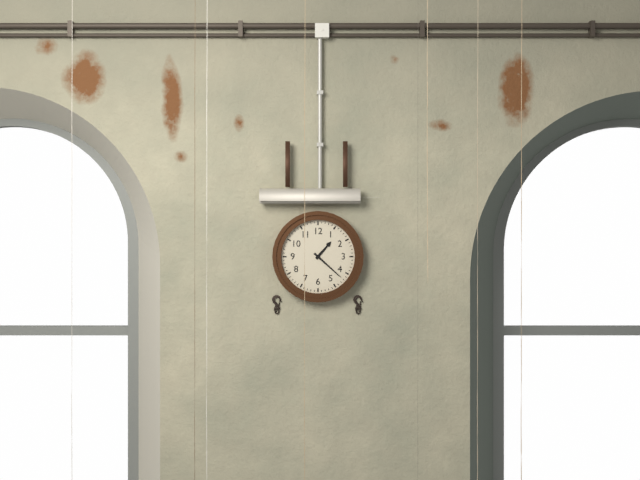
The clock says 1:22
